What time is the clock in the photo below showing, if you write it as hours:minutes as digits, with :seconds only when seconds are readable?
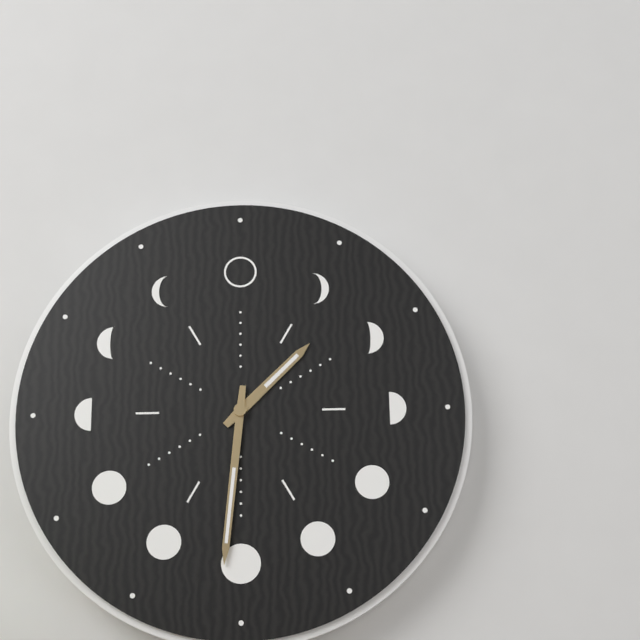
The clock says 1:31
